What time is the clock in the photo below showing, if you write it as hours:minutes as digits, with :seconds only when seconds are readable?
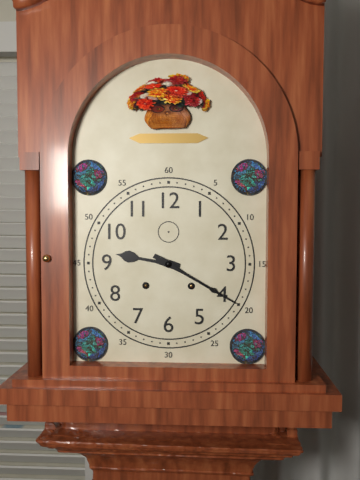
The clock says 9:20
